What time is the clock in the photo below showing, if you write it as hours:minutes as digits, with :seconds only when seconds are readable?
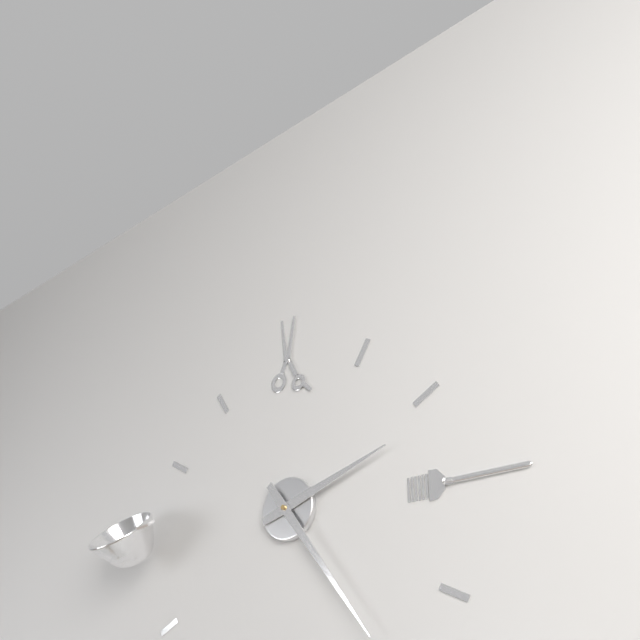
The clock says 2:24
